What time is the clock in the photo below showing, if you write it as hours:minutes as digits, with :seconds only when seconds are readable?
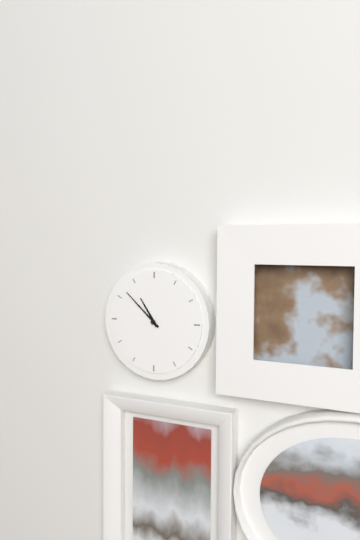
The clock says 10:52
